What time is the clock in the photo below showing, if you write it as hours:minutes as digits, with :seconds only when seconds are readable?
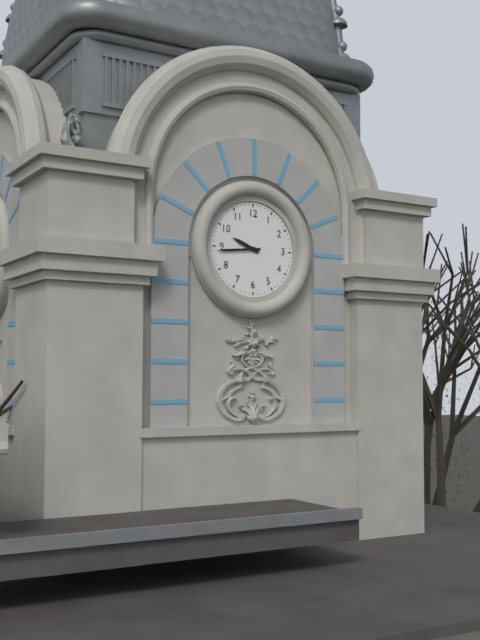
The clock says 9:44
